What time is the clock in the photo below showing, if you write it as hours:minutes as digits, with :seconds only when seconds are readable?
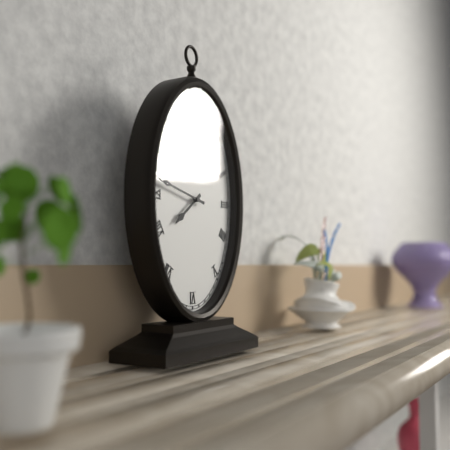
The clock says 7:47
